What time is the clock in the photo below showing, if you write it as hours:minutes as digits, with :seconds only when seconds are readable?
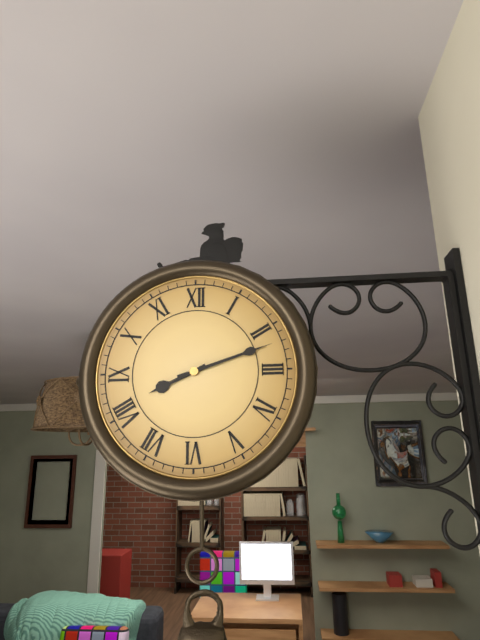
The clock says 8:12
